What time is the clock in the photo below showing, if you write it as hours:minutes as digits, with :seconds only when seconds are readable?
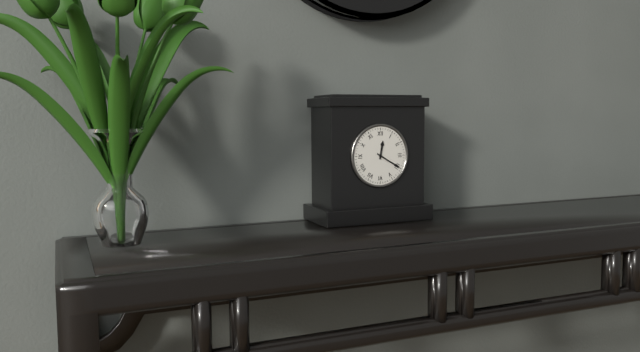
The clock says 12:20
